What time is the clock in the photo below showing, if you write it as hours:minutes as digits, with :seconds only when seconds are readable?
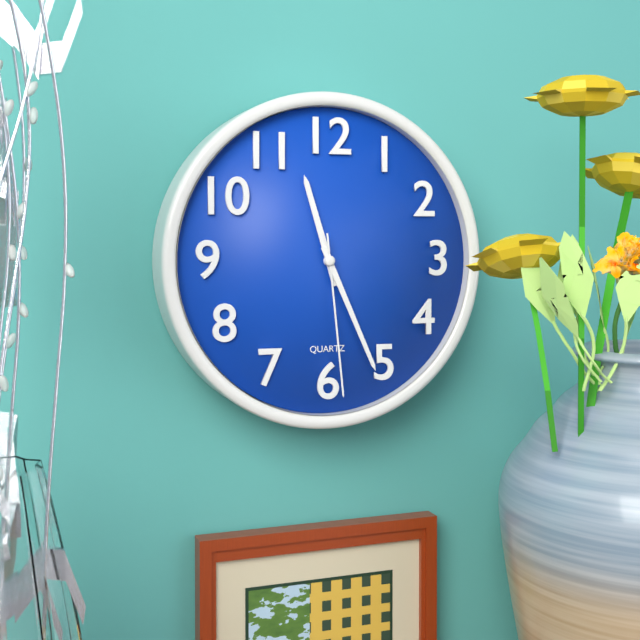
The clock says 11:26:29
